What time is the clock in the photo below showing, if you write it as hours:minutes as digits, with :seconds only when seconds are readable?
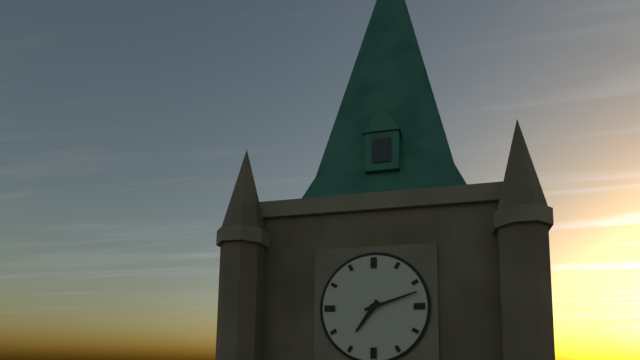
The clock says 7:12
